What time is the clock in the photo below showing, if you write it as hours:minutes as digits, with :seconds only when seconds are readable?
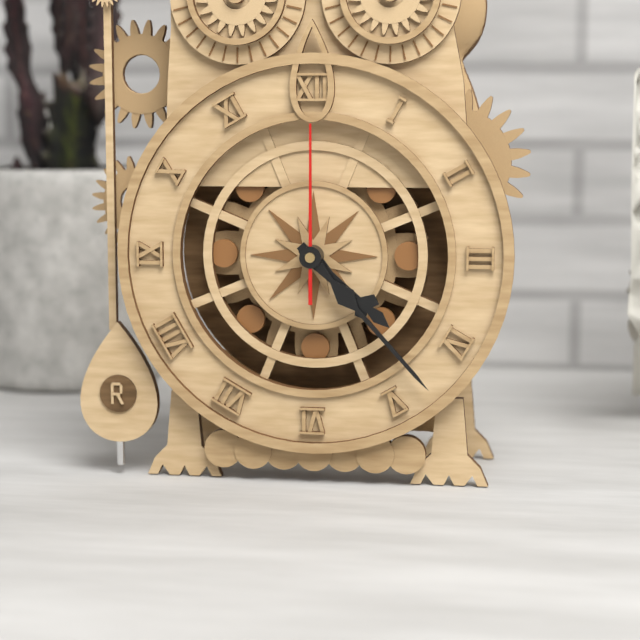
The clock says 4:23:00
